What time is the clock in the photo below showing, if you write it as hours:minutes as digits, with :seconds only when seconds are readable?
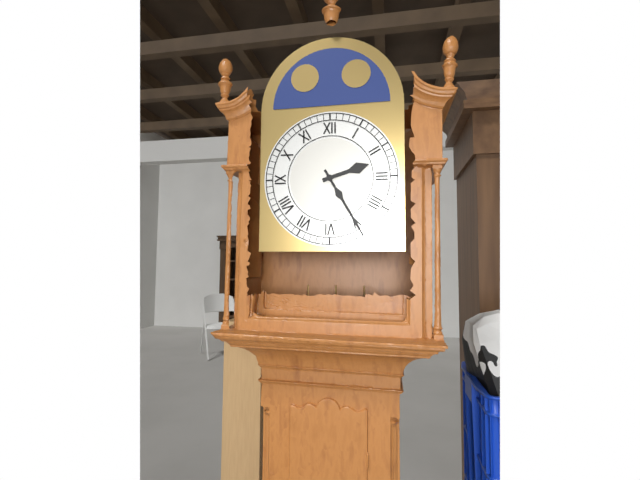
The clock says 2:25
